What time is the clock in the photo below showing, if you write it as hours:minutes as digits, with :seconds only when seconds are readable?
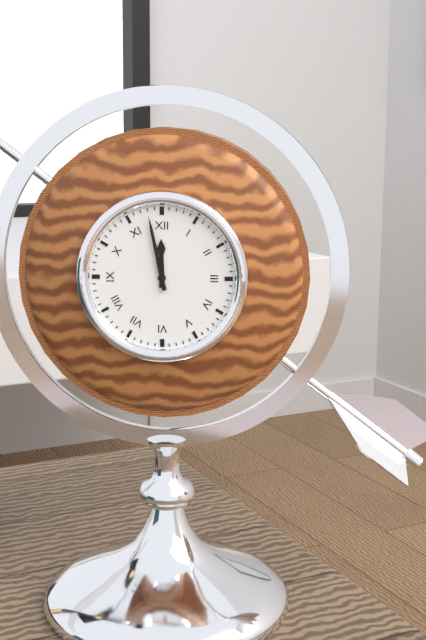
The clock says 11:58
